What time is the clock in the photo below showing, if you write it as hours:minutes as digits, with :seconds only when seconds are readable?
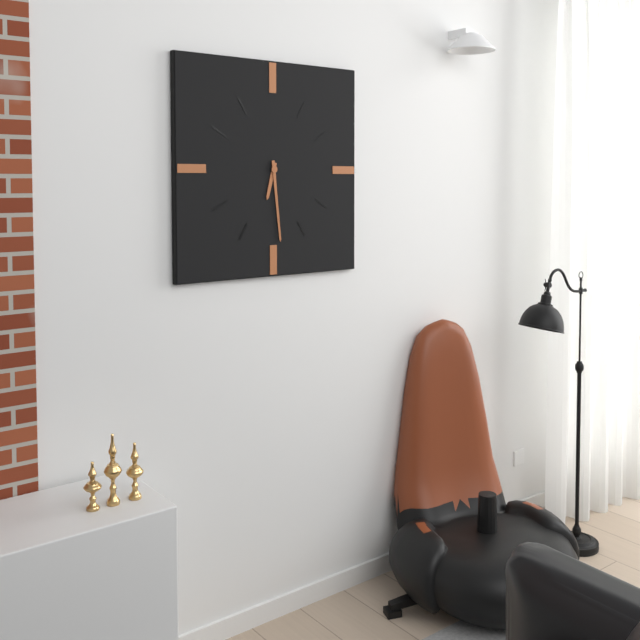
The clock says 6:29
